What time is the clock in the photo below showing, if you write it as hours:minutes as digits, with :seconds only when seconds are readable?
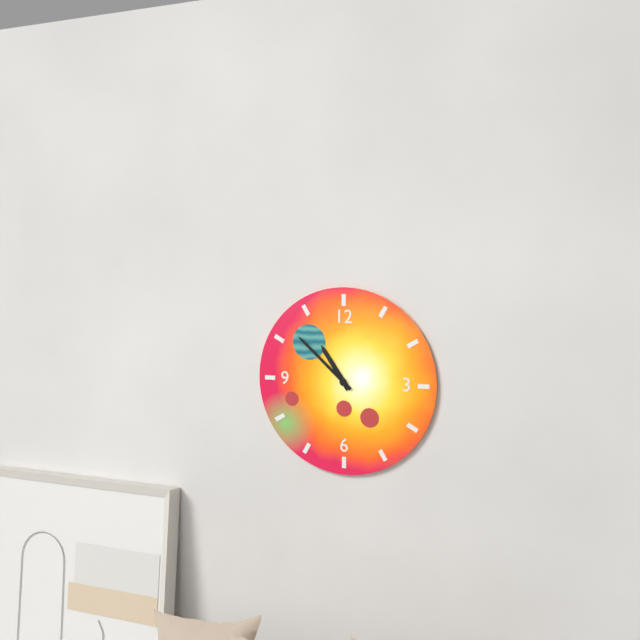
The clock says 10:52
